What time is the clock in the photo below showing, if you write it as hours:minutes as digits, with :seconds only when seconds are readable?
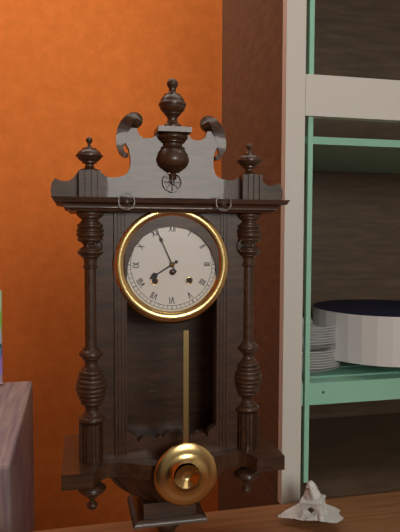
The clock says 7:56
